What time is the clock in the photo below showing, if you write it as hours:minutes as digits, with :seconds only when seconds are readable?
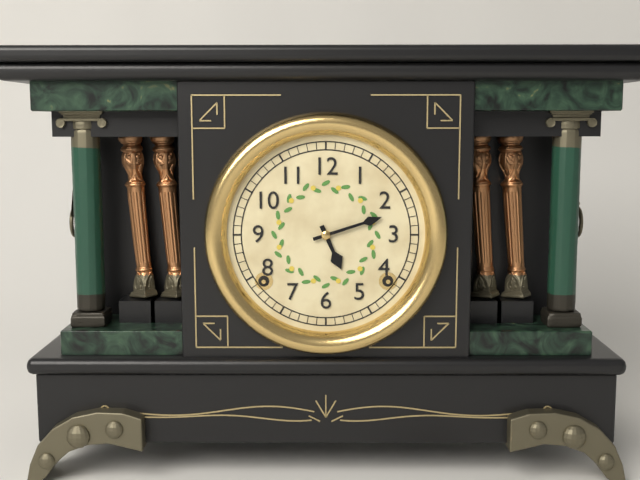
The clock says 5:12
